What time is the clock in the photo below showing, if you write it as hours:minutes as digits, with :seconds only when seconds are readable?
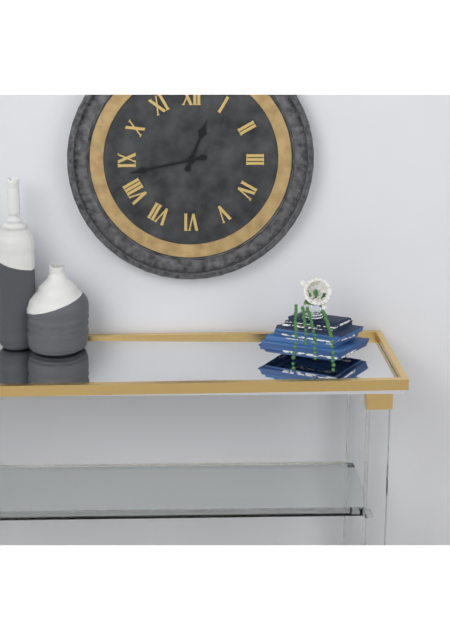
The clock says 12:43
